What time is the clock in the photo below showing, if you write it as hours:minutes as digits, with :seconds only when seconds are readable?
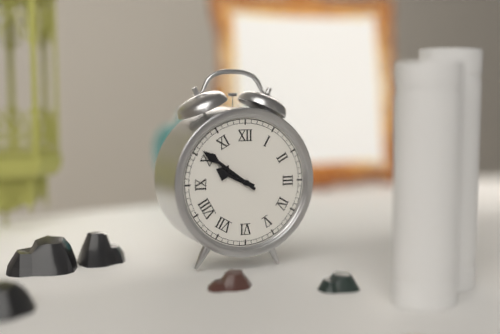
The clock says 9:51
